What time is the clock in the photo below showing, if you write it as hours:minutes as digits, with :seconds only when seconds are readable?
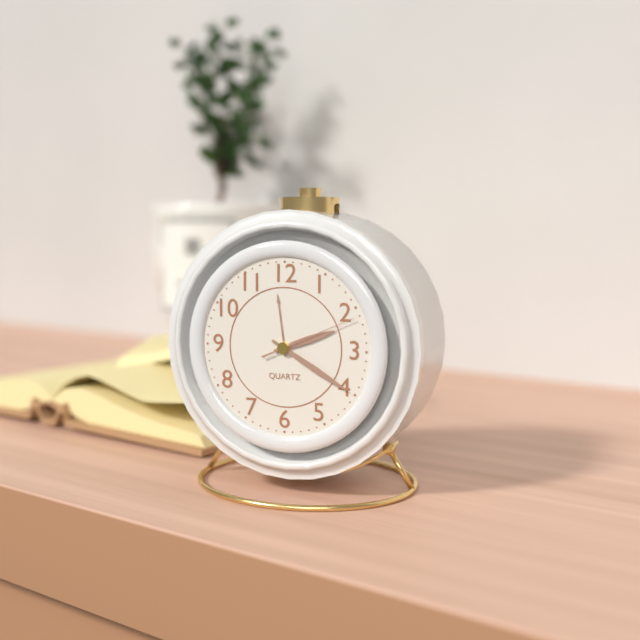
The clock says 2:20:11
